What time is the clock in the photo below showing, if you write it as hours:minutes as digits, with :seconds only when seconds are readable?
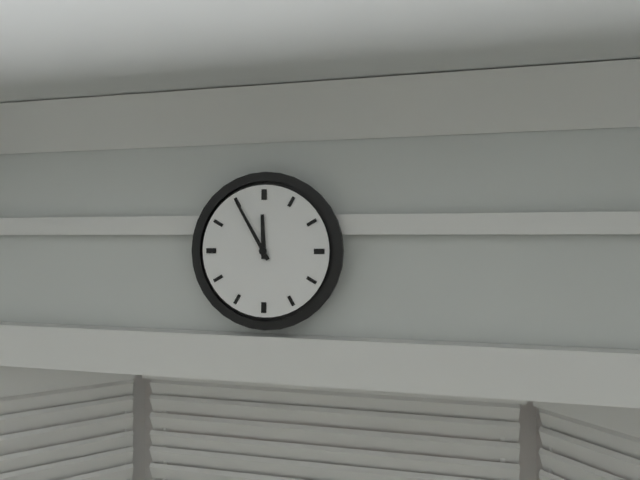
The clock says 11:55
